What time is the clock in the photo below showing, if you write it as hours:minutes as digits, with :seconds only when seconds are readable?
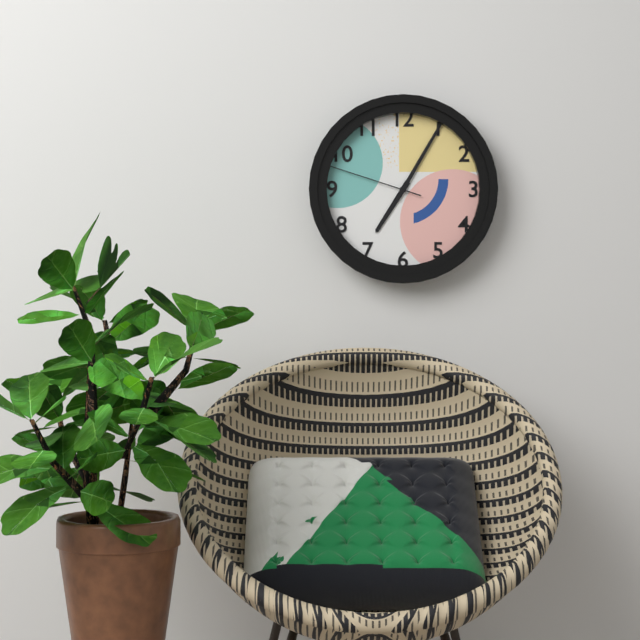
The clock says 7:05:48
